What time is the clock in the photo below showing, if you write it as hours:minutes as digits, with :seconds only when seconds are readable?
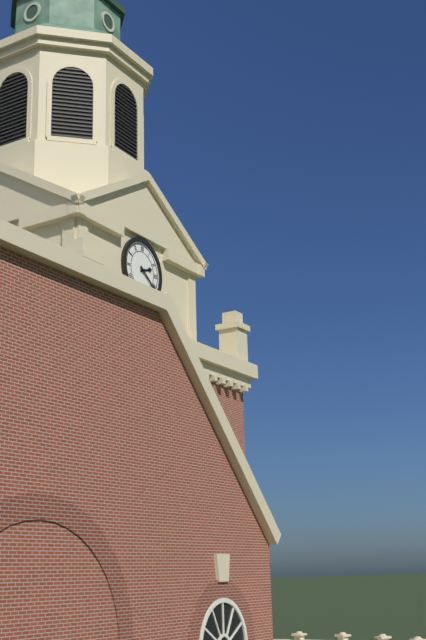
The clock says 2:21
